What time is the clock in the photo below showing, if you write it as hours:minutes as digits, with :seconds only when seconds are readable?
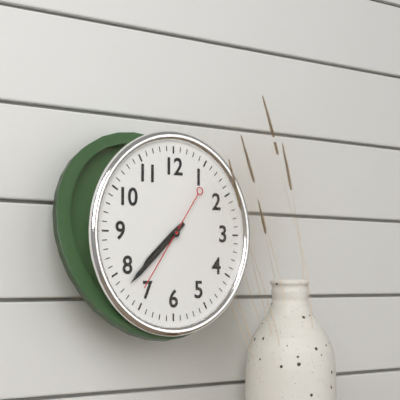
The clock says 7:38:36
